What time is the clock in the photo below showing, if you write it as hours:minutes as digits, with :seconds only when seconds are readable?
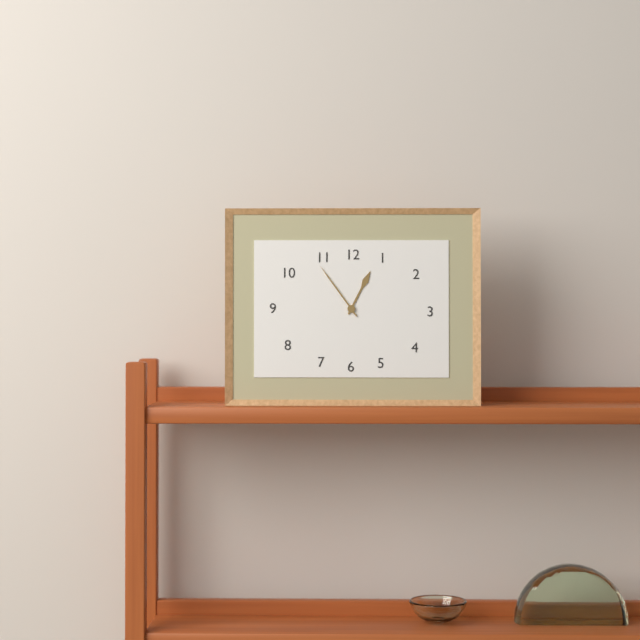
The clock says 12:54
